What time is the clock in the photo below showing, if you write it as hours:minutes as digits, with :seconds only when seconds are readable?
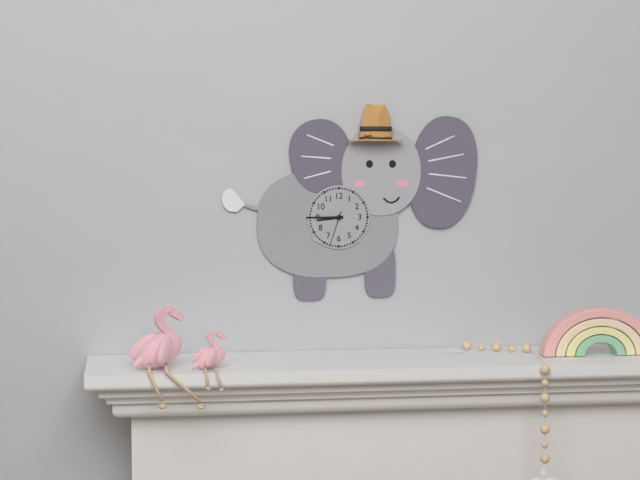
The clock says 8:45
